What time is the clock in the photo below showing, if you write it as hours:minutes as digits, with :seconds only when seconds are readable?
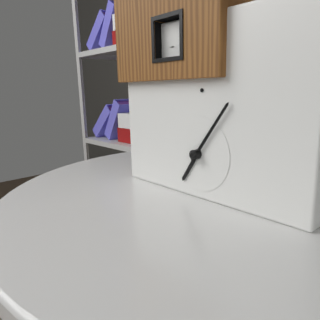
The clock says 7:06
